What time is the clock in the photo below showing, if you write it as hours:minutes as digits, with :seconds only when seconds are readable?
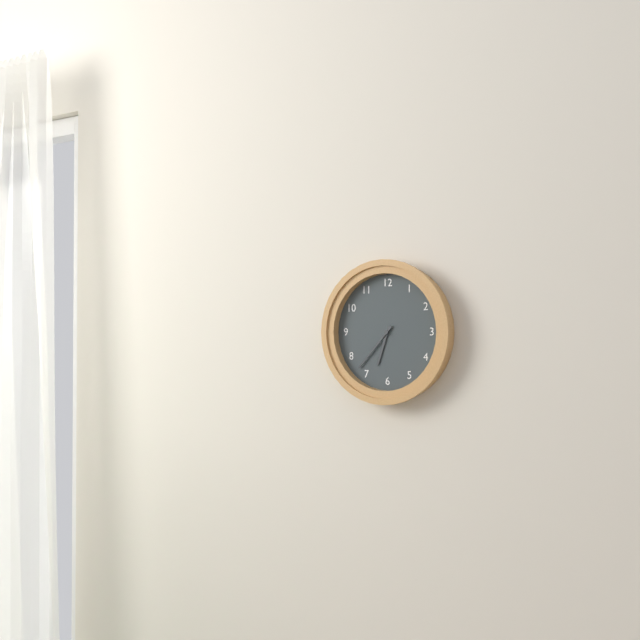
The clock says 6:37
